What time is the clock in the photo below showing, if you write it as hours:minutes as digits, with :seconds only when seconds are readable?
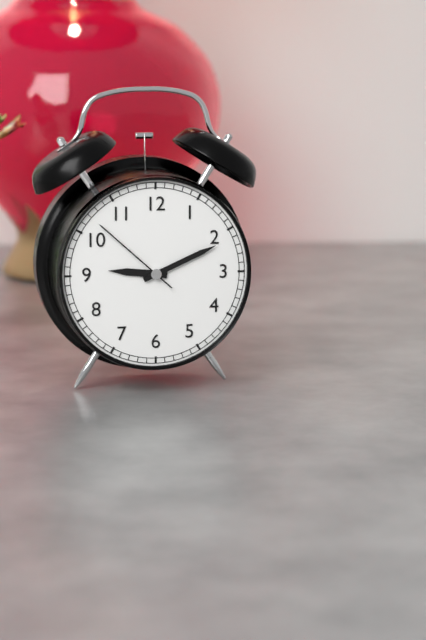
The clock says 9:11:52
